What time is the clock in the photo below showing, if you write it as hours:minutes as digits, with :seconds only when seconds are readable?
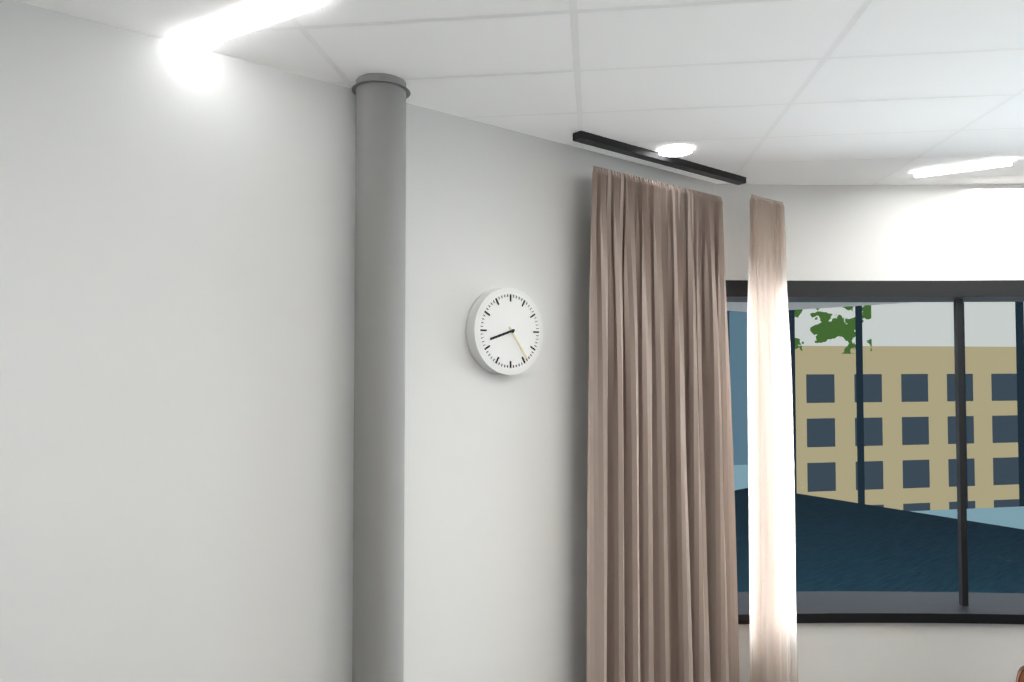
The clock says 8:24
